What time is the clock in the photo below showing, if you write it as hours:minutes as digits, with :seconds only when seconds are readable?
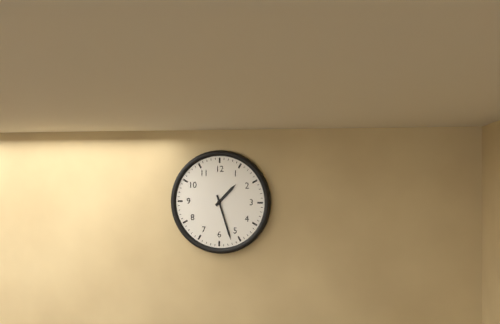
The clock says 1:27
